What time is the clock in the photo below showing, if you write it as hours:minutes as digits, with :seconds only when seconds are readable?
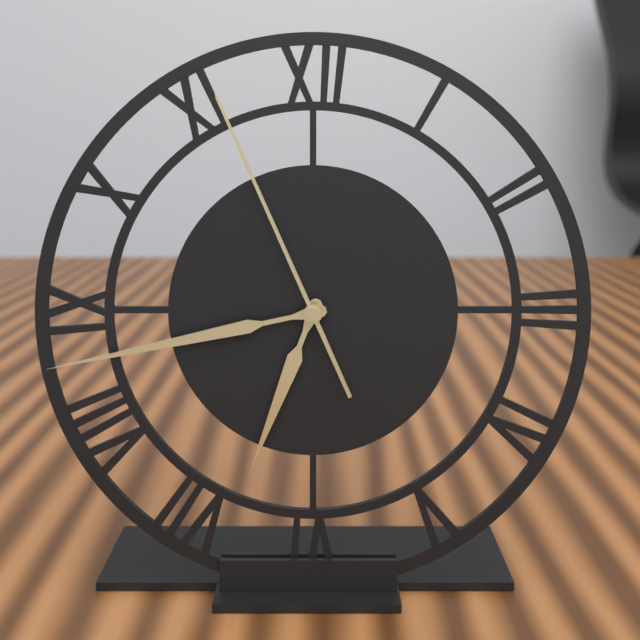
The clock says 6:43:56
